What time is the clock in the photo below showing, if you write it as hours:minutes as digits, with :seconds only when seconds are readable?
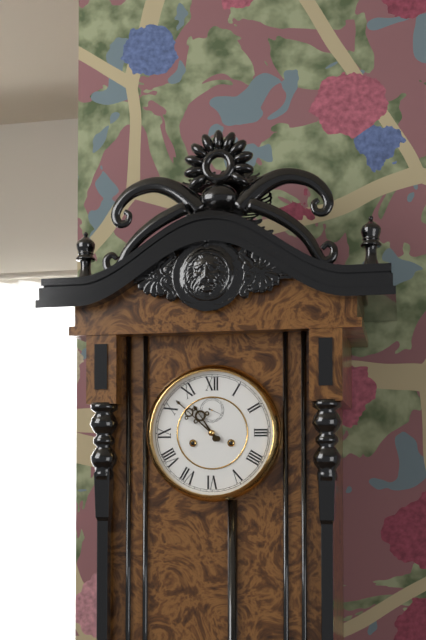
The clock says 10:52
